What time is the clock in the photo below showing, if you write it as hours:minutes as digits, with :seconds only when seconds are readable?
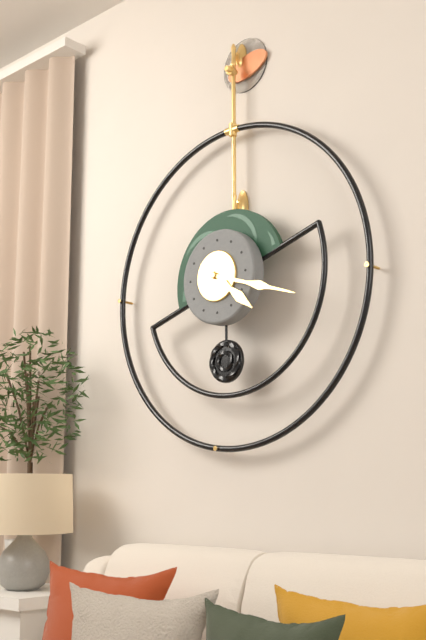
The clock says 4:18
